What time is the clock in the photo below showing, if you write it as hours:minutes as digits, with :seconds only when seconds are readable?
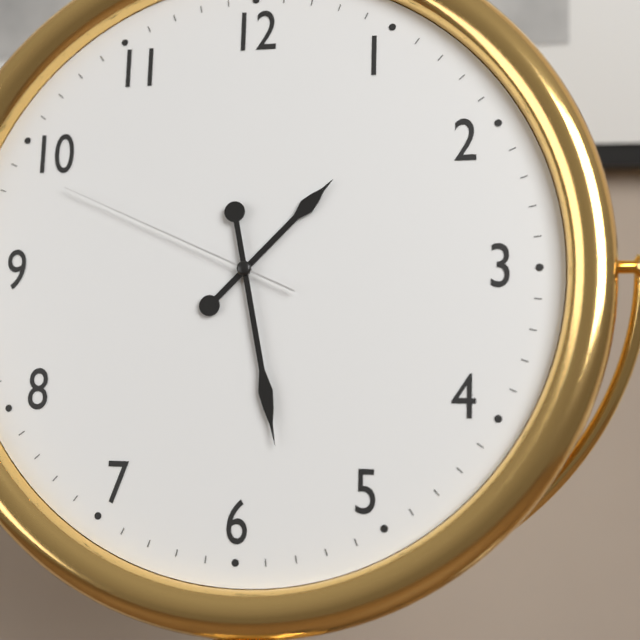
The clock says 1:28:49
